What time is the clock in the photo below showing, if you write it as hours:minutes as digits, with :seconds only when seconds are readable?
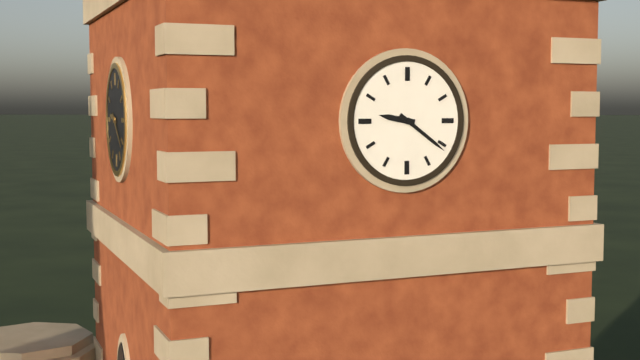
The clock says 9:21
